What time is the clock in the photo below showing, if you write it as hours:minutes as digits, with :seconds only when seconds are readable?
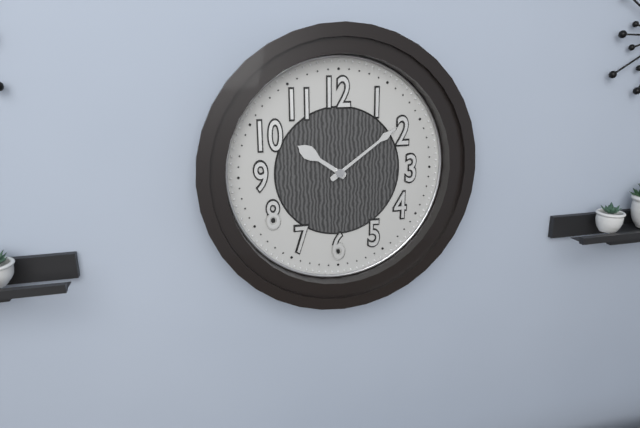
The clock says 10:09
